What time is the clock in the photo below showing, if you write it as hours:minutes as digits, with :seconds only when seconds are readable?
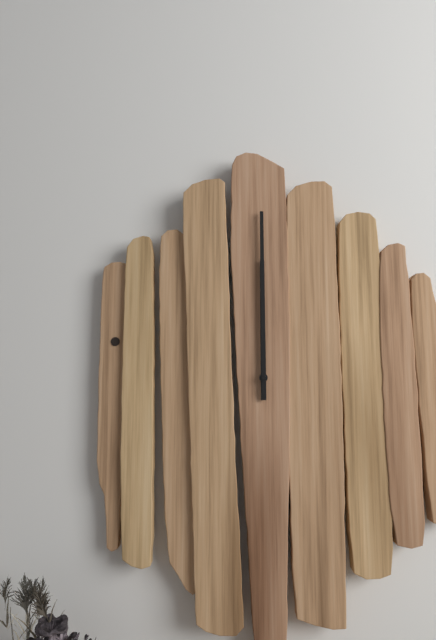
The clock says 12:00
